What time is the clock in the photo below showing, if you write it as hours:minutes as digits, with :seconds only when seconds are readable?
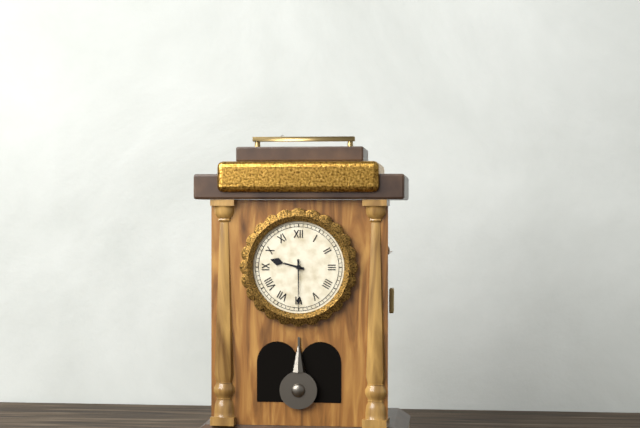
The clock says 9:30
